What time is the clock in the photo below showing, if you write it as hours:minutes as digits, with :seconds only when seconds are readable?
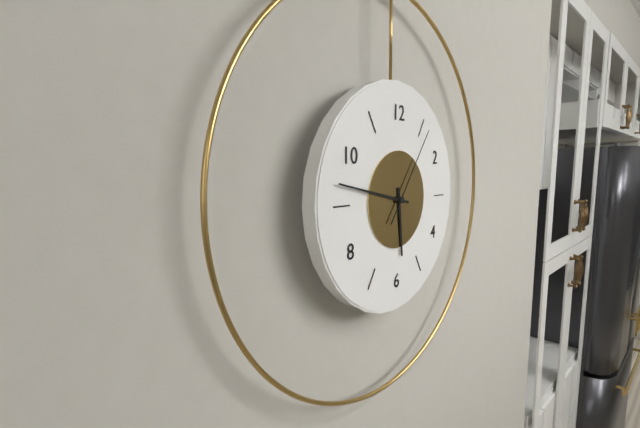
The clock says 5:47:06
